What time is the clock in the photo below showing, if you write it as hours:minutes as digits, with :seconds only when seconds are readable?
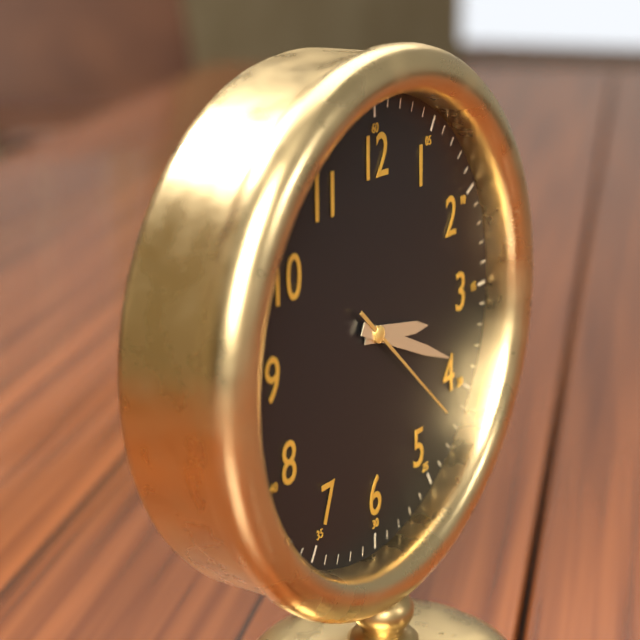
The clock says 3:19:22
